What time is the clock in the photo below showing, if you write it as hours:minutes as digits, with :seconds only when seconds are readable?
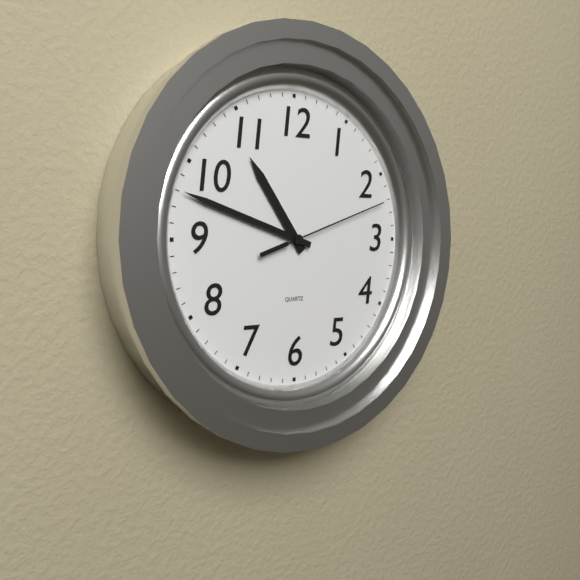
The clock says 10:48:12
